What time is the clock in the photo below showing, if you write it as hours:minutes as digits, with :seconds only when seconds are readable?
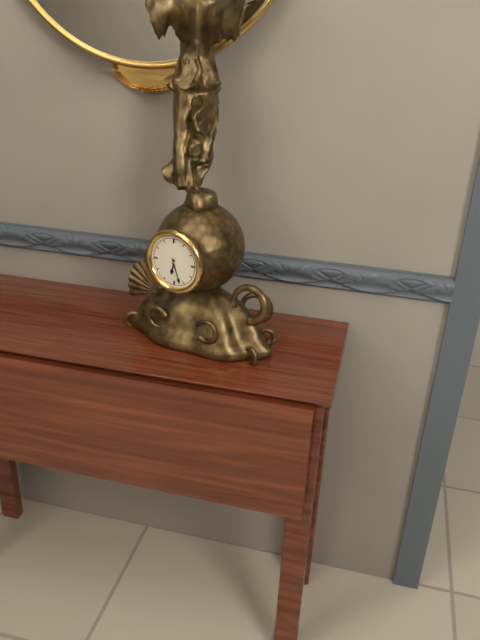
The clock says 6:27
